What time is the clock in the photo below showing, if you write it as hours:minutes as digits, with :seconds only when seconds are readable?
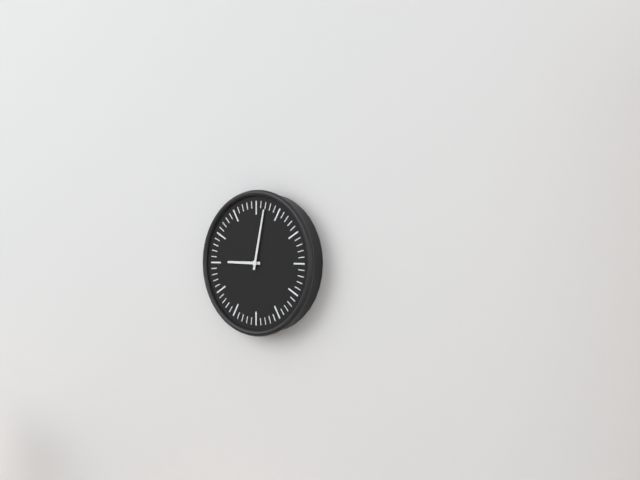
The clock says 9:02
